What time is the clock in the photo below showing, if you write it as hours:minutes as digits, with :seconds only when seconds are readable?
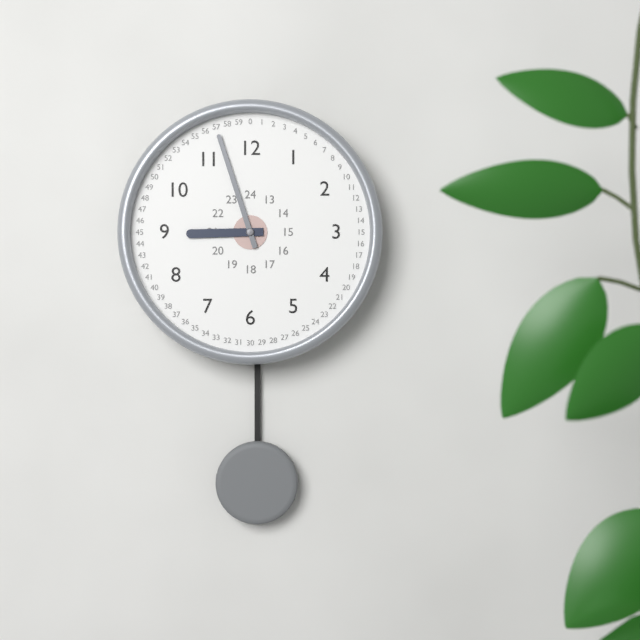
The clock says 8:57
